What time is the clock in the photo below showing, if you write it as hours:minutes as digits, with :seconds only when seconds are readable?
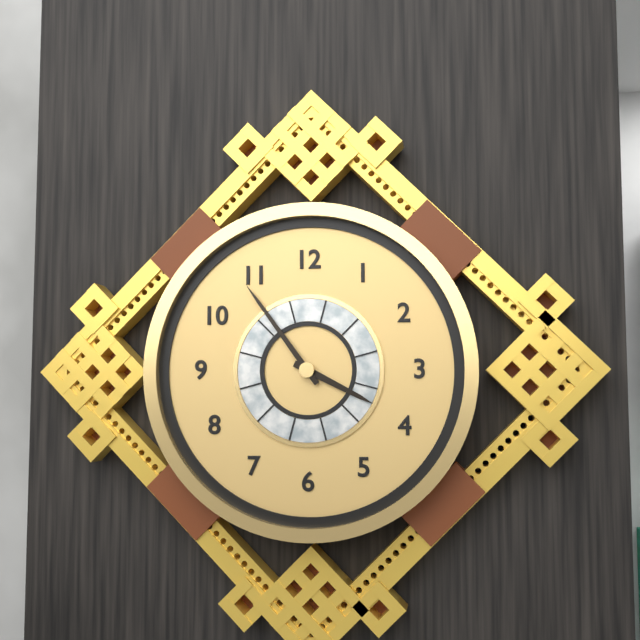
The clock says 3:54
